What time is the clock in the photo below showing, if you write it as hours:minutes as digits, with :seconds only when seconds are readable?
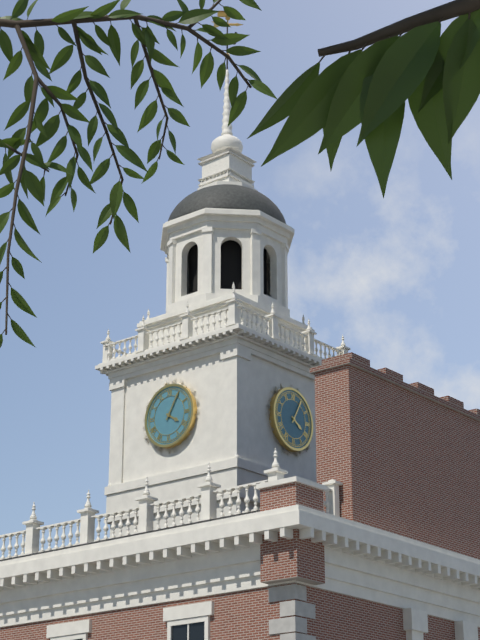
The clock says 4:05
